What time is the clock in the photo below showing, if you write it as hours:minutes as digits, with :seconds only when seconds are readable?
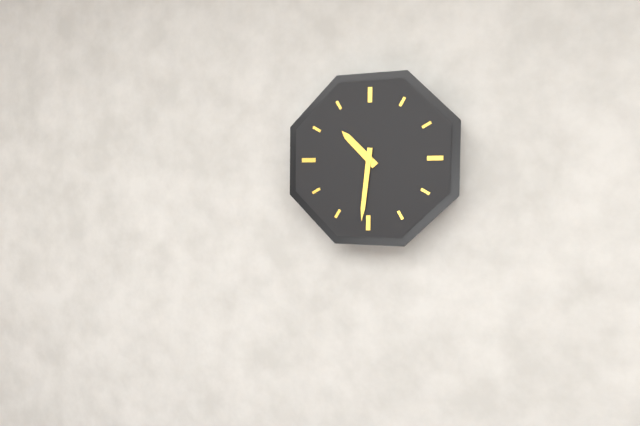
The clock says 10:31
